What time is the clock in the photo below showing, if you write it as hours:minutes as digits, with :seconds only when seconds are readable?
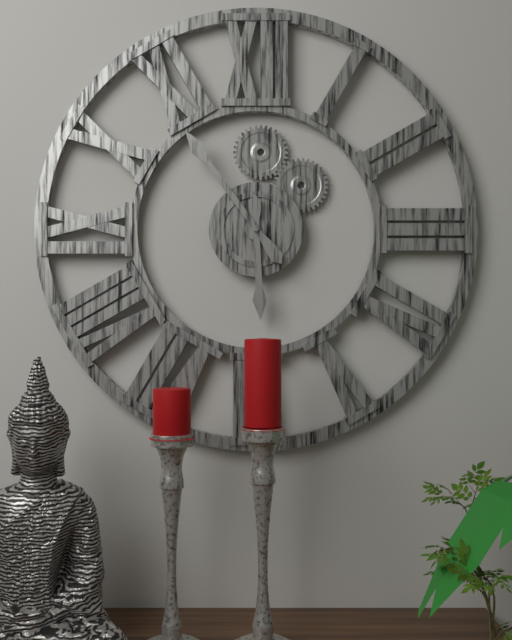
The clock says 5:54
